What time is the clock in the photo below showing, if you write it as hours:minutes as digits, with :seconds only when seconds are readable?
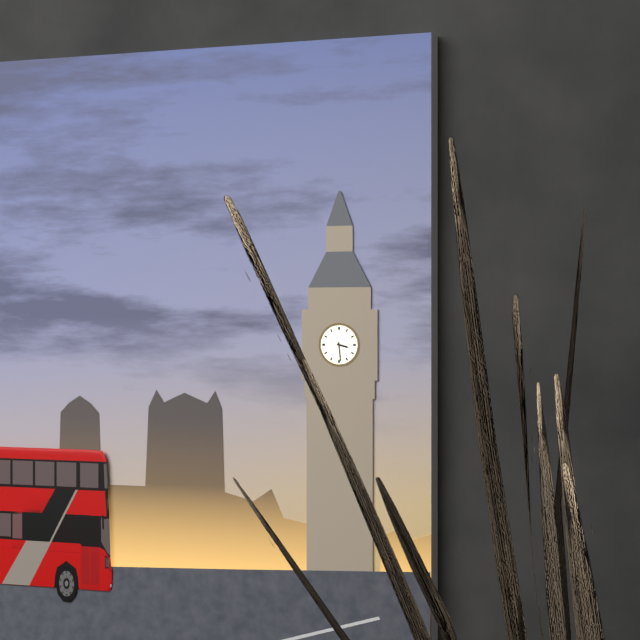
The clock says 3:29
